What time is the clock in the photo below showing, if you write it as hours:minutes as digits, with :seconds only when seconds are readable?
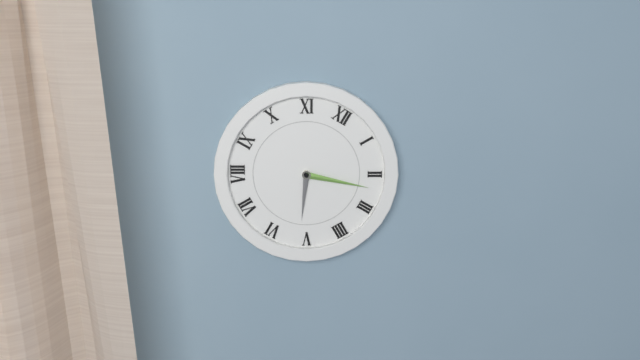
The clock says 5:12
